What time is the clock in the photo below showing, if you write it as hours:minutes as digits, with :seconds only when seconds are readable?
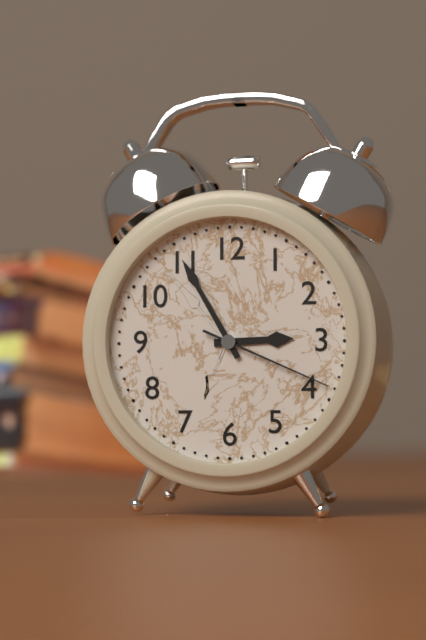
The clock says 2:55:19
